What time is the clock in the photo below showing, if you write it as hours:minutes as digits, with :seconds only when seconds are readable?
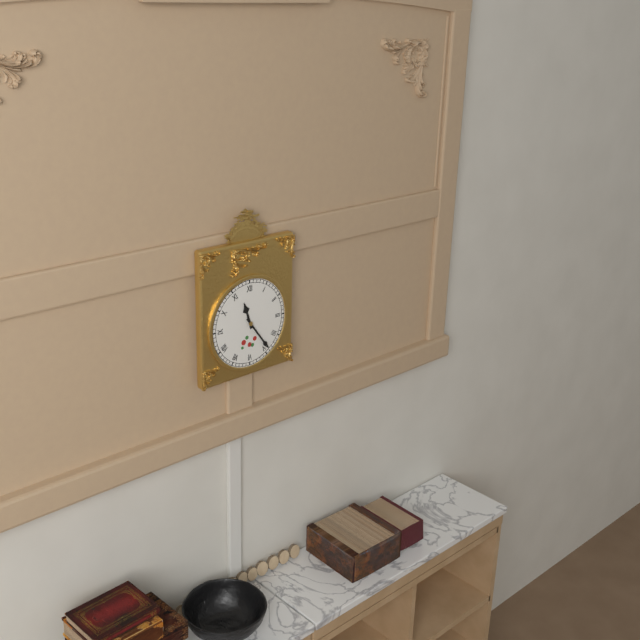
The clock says 11:24
